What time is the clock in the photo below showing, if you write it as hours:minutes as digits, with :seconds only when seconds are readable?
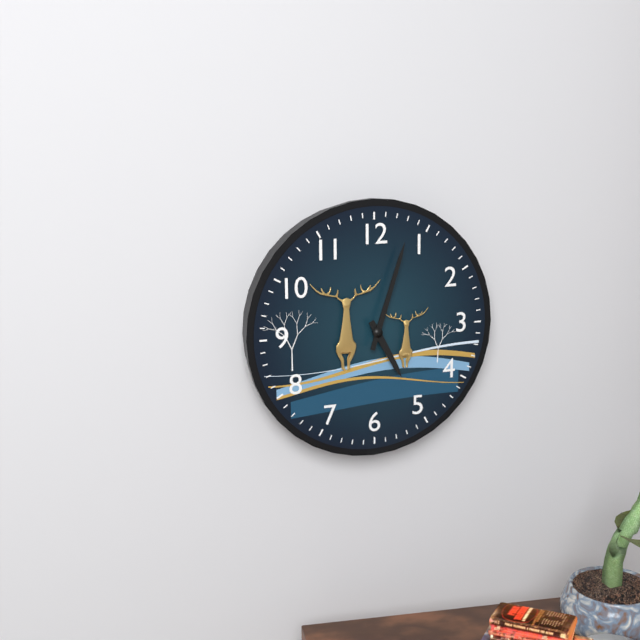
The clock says 5:03
